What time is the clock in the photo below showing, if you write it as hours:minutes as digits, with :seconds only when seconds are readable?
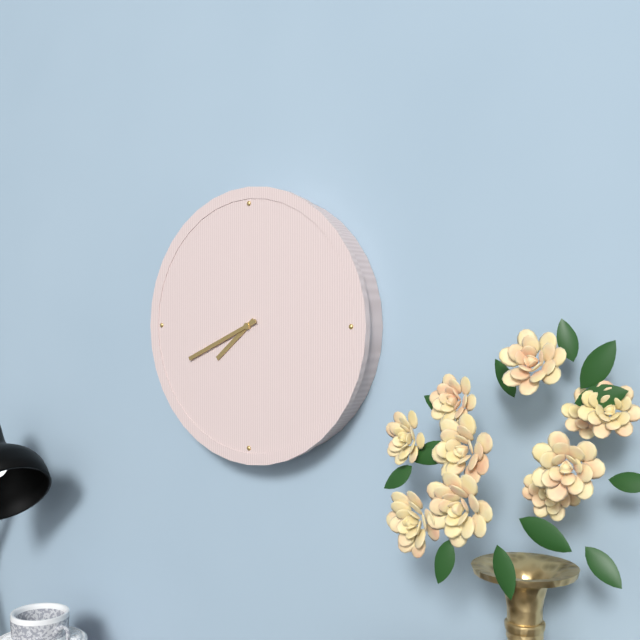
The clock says 7:41
